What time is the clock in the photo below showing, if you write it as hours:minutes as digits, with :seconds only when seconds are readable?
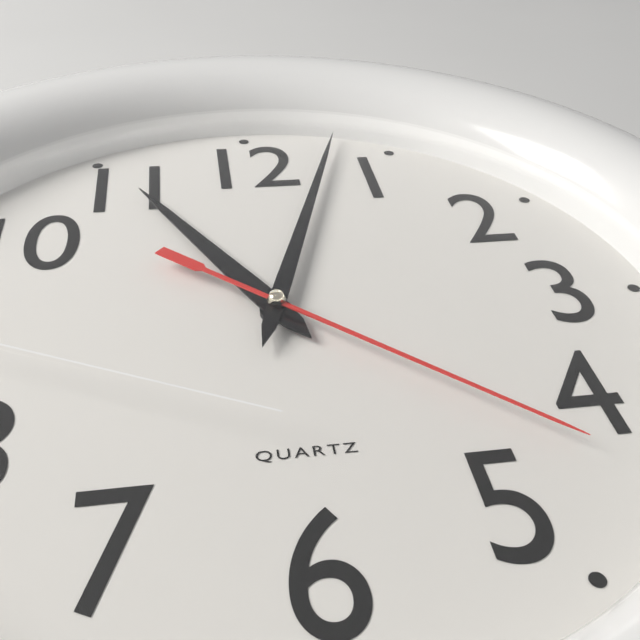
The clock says 11:03:22
